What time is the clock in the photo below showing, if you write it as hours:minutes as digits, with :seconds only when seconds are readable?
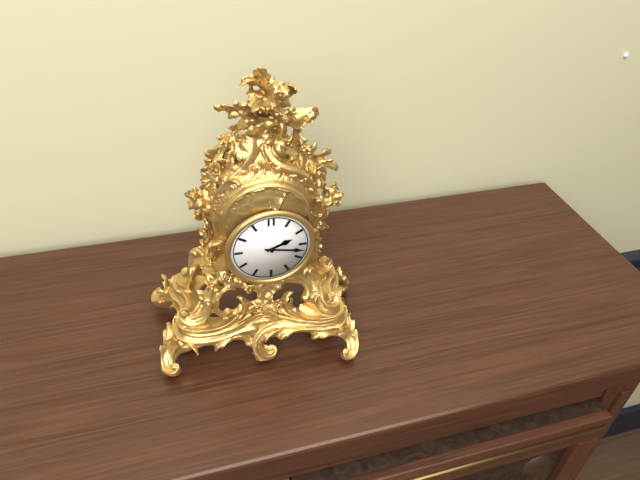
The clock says 2:17
